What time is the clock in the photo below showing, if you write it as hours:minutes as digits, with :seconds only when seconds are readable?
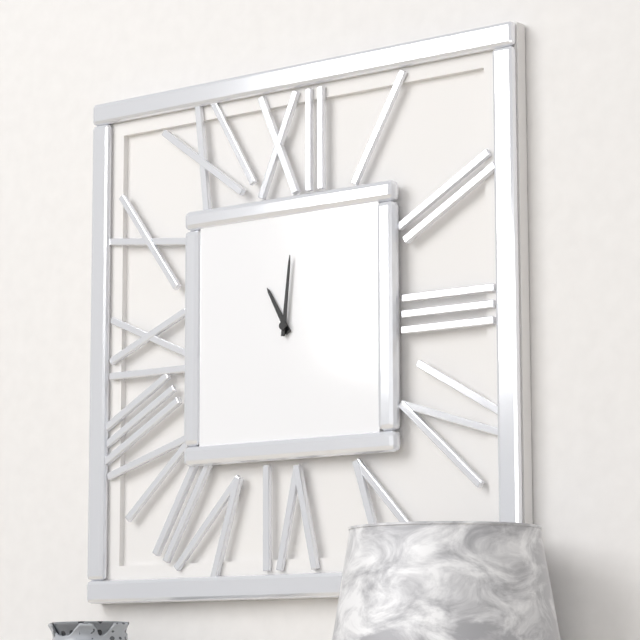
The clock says 11:01
